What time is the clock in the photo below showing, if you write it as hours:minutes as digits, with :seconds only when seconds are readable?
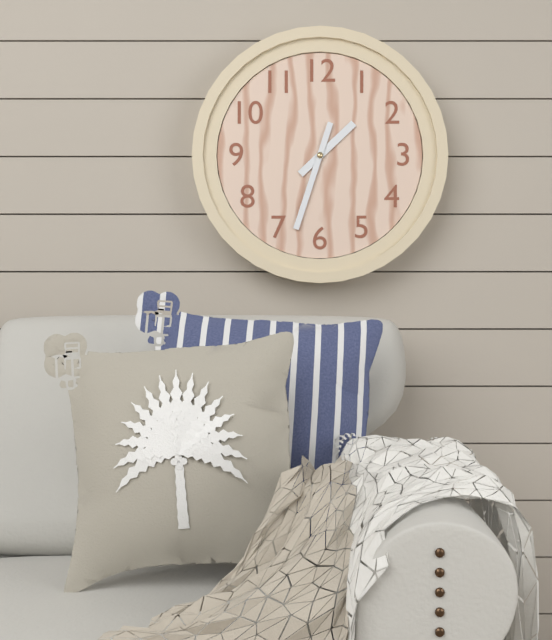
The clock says 1:33
